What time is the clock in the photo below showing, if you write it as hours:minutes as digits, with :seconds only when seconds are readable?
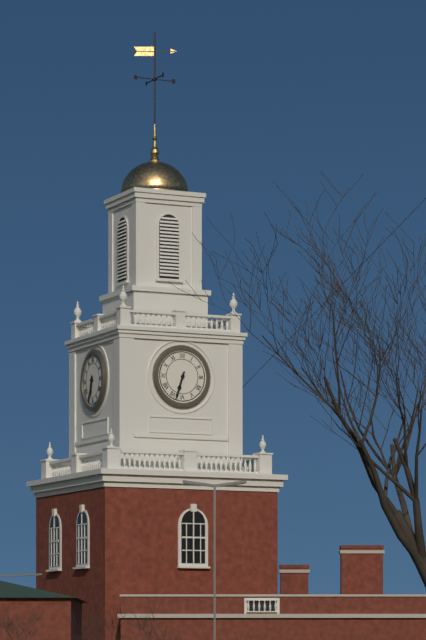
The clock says 6:33
